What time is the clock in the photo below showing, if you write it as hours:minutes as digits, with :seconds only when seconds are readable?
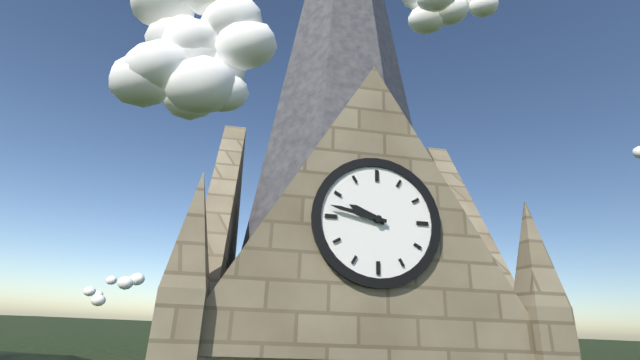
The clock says 9:47
